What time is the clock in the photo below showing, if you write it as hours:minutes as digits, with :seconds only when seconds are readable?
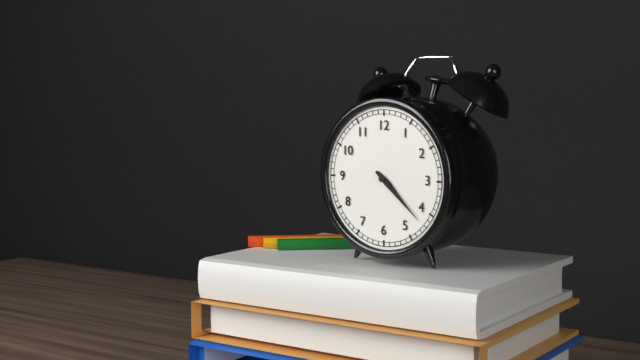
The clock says 4:22
